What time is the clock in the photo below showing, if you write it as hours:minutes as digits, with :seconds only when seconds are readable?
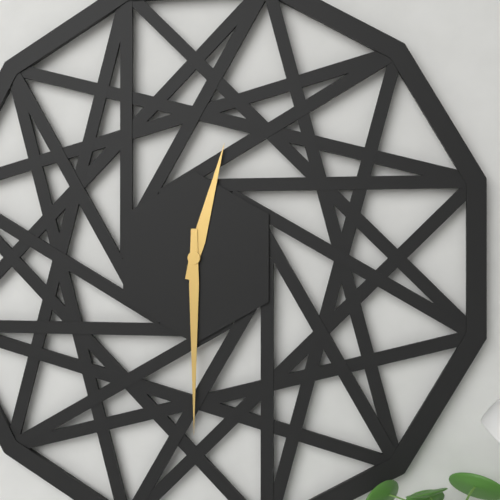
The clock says 12:30
